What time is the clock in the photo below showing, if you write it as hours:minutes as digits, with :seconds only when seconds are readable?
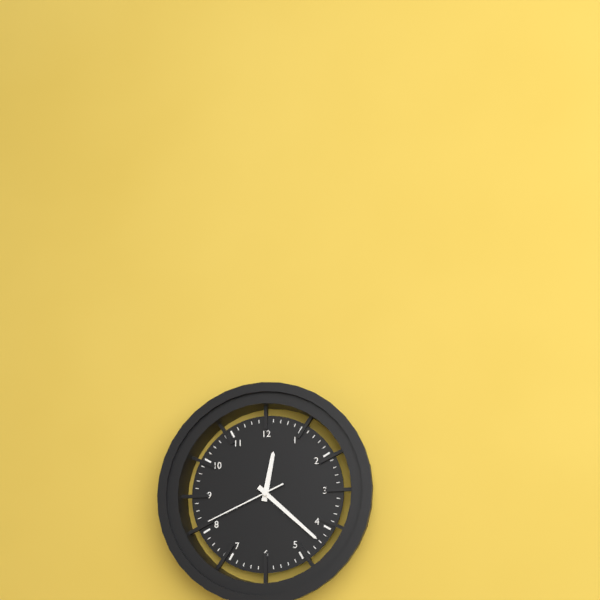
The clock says 12:22:41
